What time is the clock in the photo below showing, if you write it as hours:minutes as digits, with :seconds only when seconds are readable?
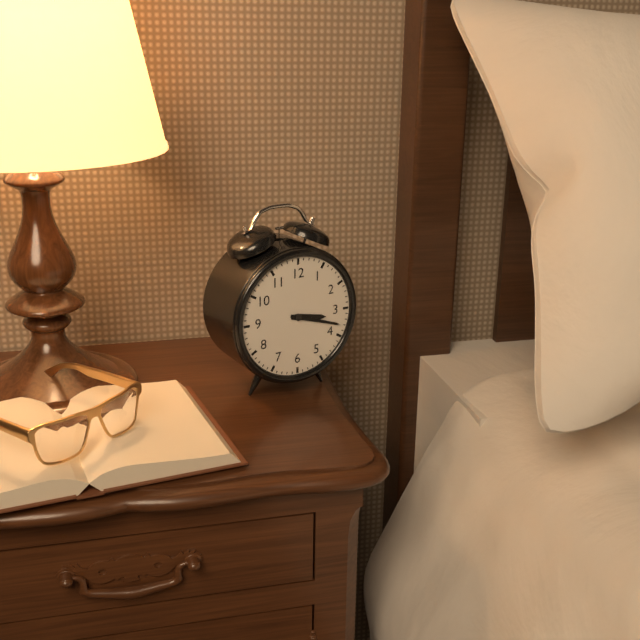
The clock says 3:18
